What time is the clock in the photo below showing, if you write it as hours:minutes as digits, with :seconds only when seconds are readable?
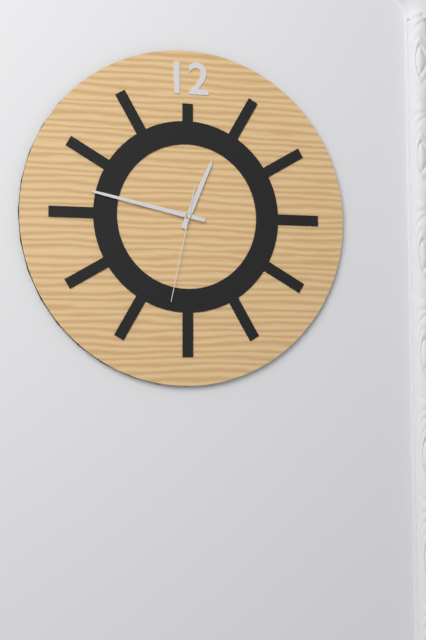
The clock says 12:47:32
